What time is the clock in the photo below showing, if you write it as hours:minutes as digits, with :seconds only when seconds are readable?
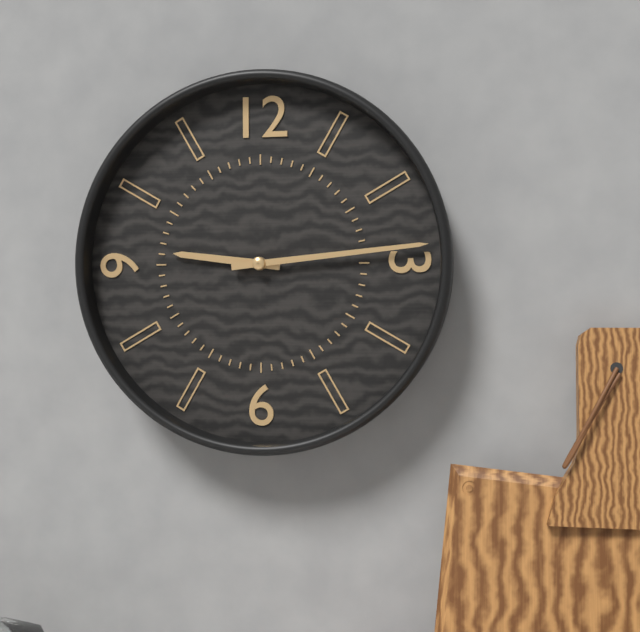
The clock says 9:14
